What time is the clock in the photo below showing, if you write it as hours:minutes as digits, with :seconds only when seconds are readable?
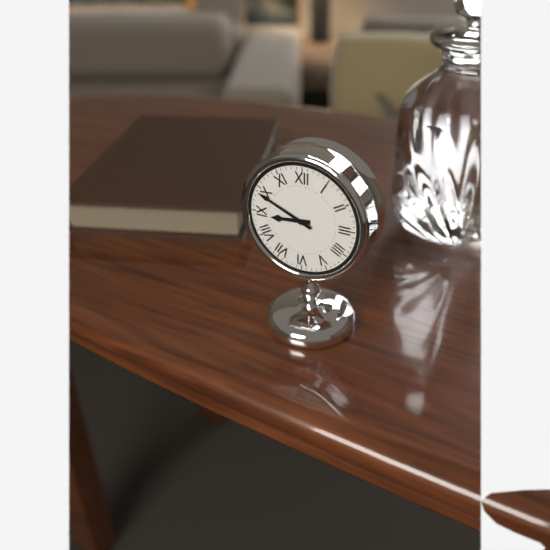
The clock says 8:49
